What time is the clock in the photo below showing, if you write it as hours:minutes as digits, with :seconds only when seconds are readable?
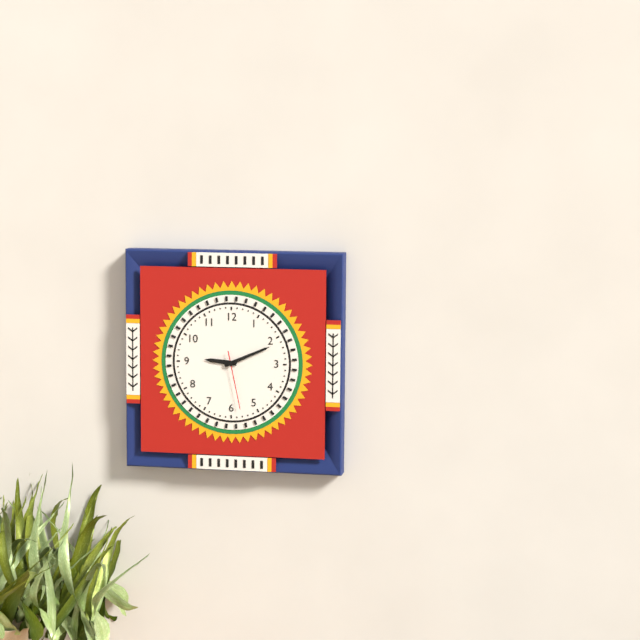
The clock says 9:11:28
